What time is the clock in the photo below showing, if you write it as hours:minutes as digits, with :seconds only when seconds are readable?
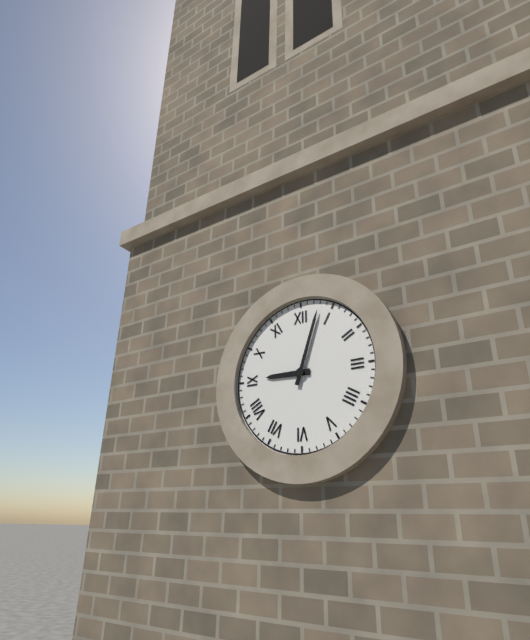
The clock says 9:03
